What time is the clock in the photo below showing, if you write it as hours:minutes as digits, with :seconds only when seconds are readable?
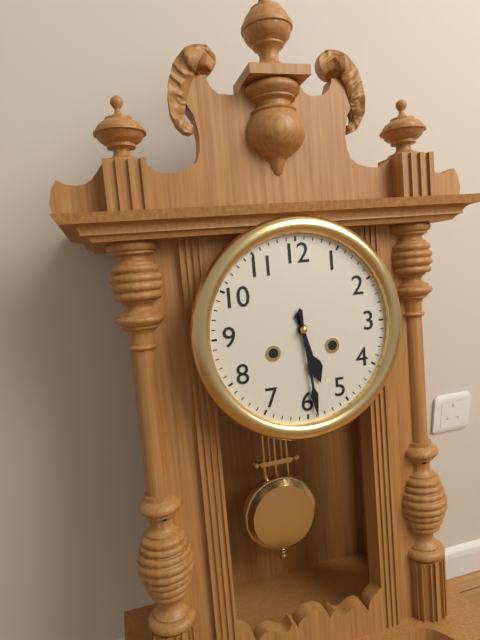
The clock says 5:29
